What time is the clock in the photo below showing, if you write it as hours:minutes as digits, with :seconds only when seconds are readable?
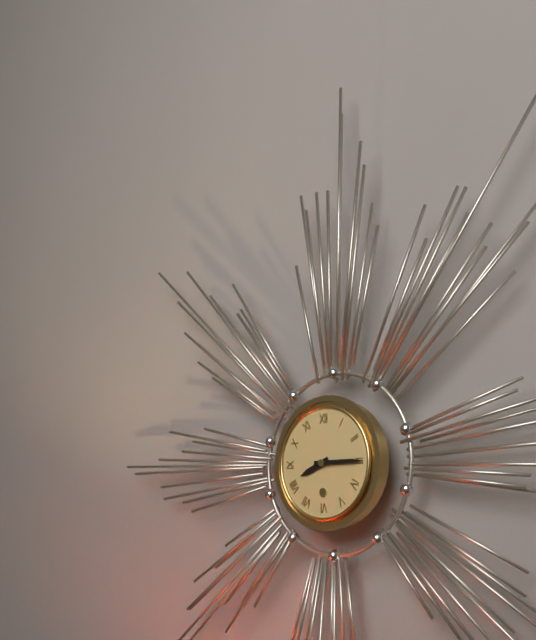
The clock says 8:15
